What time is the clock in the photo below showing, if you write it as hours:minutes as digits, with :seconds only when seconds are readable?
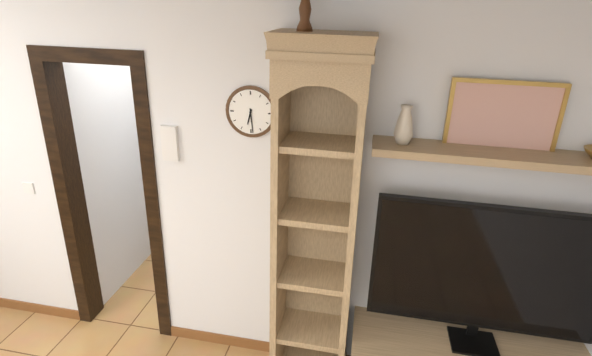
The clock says 6:29
